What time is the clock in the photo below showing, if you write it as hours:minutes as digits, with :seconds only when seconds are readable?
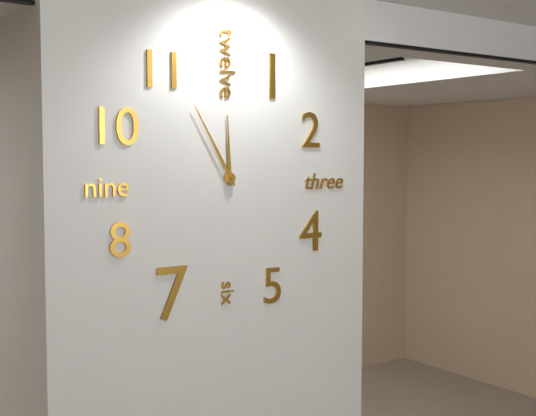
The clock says 11:55
